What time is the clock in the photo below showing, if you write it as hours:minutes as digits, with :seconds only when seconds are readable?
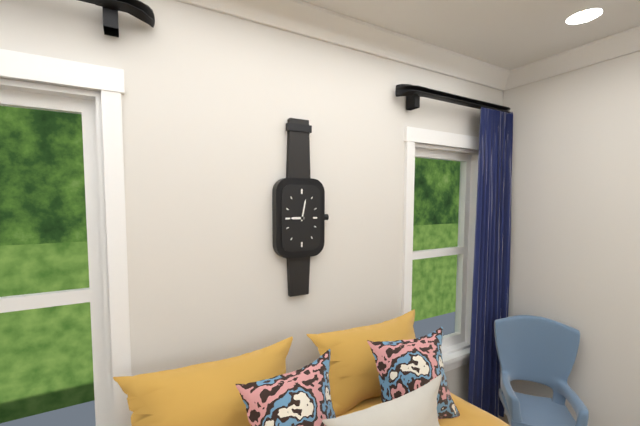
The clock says 9:02
